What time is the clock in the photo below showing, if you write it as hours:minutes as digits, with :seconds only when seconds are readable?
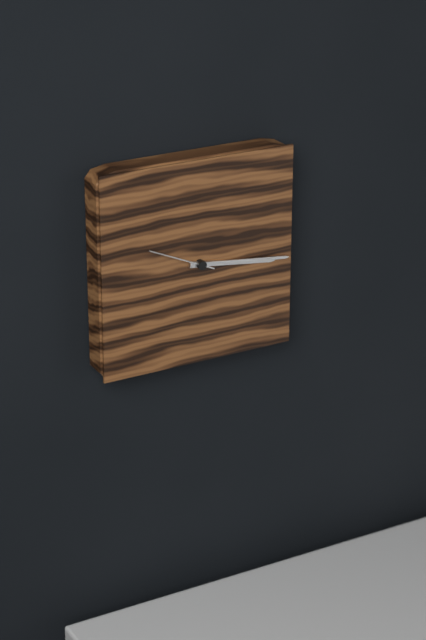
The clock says 3:16:49
